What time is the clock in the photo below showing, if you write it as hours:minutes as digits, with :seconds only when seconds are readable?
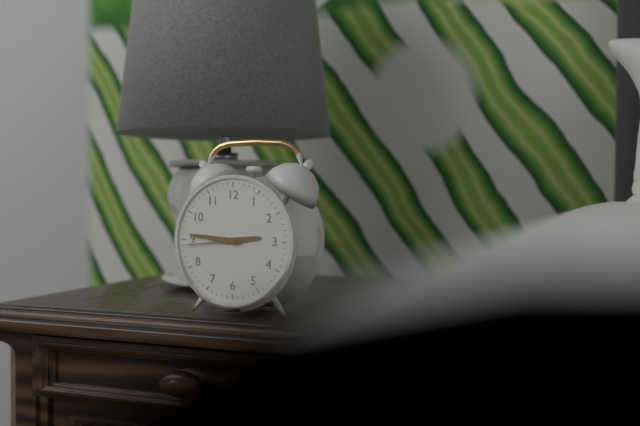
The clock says 2:46:44
